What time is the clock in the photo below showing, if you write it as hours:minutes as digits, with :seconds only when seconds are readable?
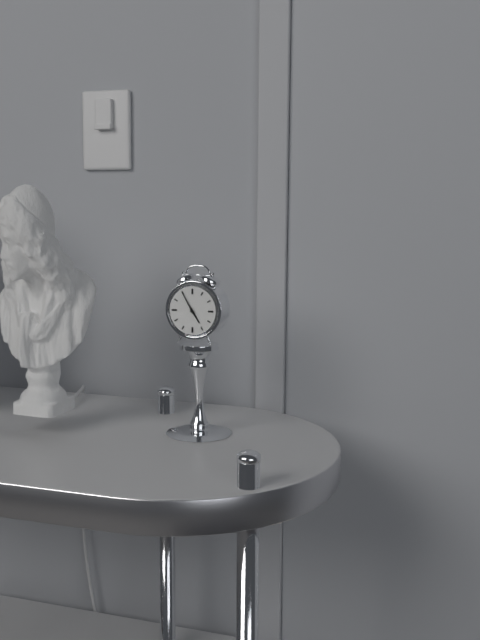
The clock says 4:55
